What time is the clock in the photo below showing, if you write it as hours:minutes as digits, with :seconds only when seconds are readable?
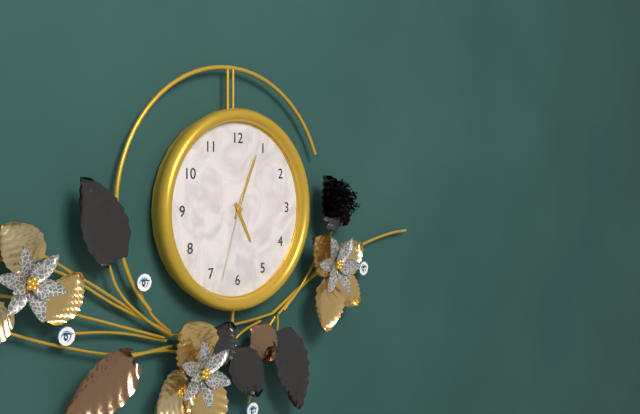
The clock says 5:04:33
